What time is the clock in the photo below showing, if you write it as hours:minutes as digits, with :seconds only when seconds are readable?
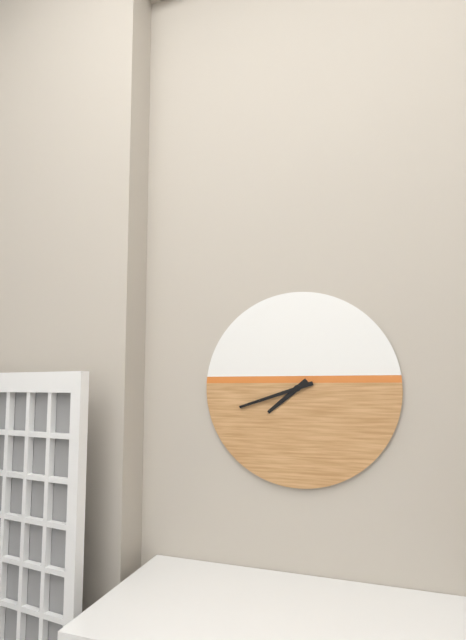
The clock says 7:42
